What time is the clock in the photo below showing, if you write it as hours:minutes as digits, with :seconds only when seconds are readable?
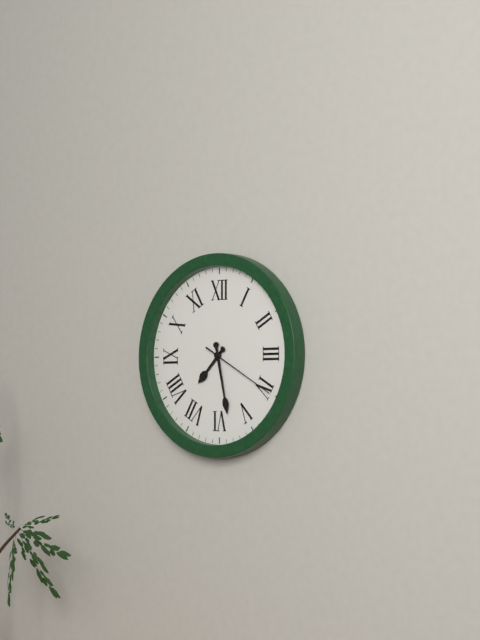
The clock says 7:28:20
